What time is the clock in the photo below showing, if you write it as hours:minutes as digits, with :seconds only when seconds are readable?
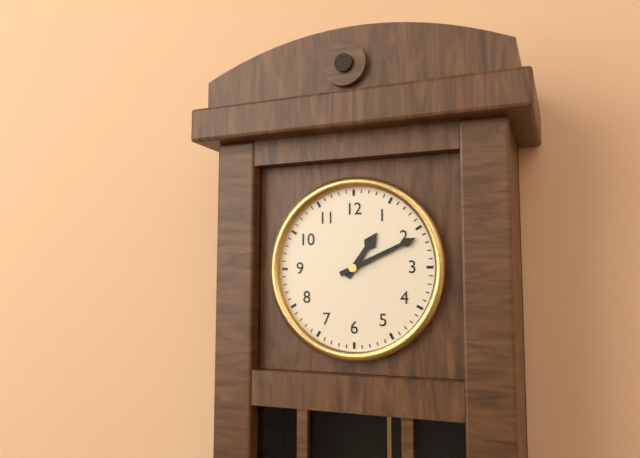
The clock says 1:11
